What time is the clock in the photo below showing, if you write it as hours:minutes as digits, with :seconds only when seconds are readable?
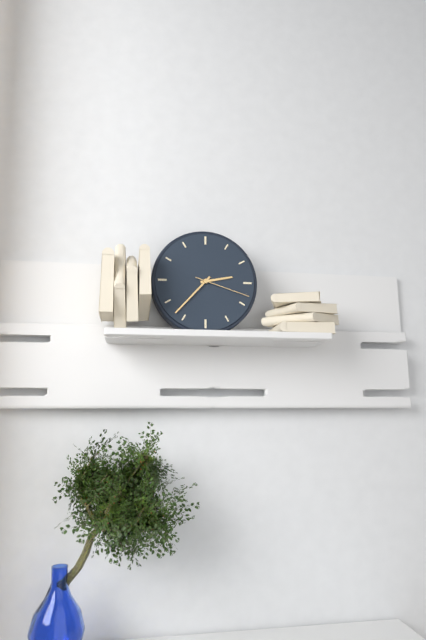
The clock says 2:37:18
